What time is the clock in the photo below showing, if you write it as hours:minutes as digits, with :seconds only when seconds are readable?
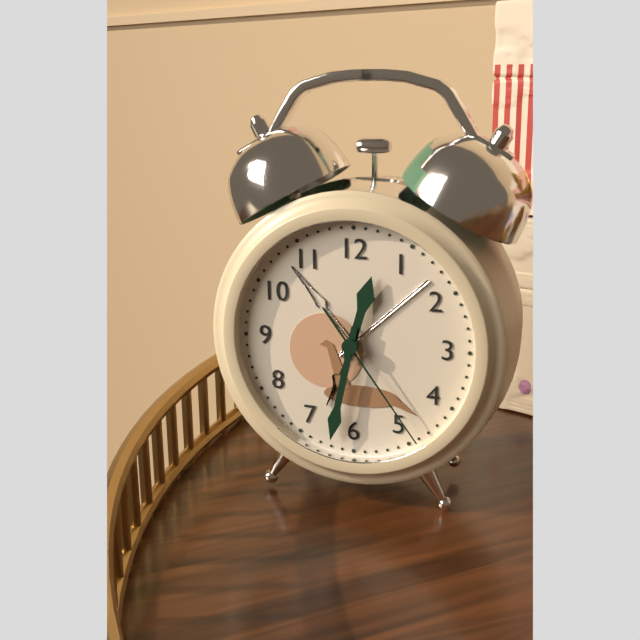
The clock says 12:32:24
